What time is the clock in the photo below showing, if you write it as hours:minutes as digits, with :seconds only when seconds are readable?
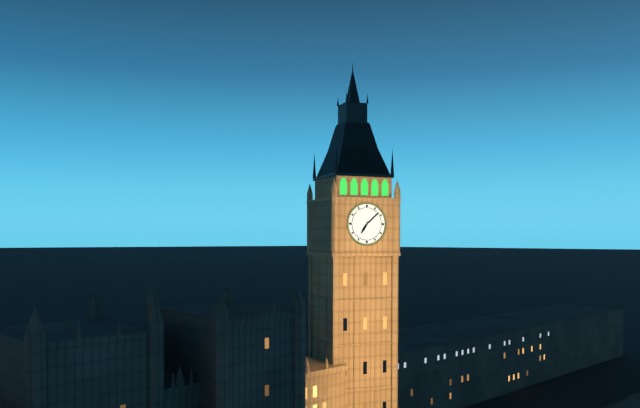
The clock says 7:08
